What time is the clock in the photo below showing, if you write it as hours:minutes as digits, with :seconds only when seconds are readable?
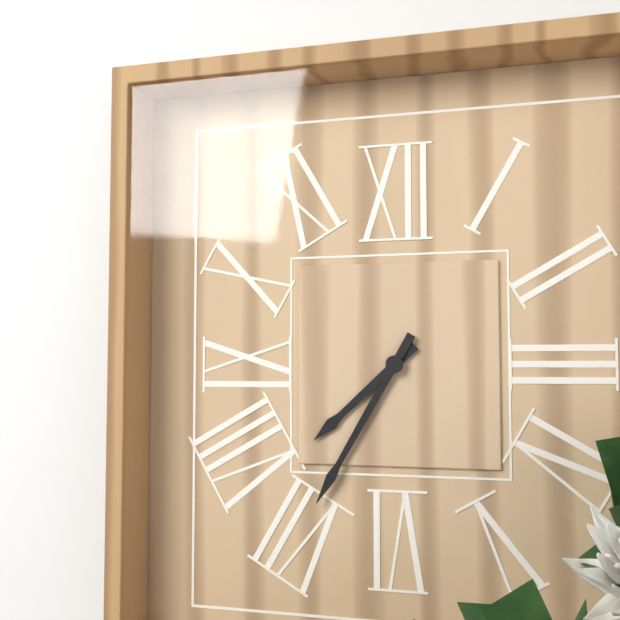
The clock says 7:35
